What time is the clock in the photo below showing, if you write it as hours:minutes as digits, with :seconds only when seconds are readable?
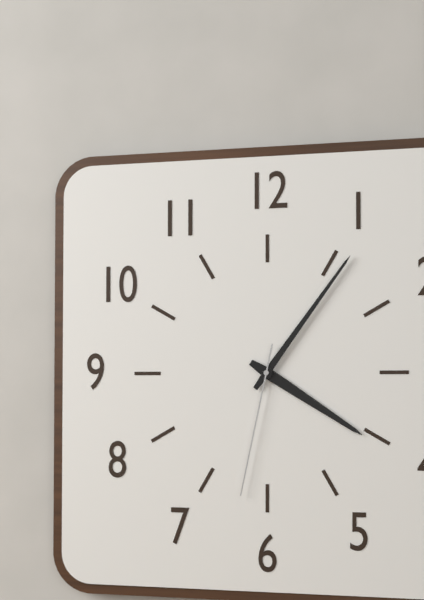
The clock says 4:06:32
